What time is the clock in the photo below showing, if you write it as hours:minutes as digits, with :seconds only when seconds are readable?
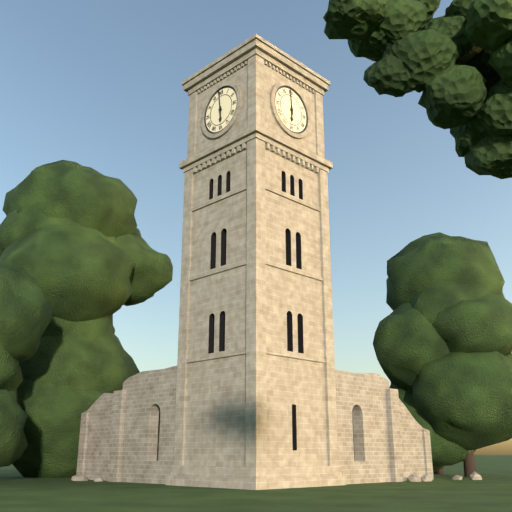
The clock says 5:59
